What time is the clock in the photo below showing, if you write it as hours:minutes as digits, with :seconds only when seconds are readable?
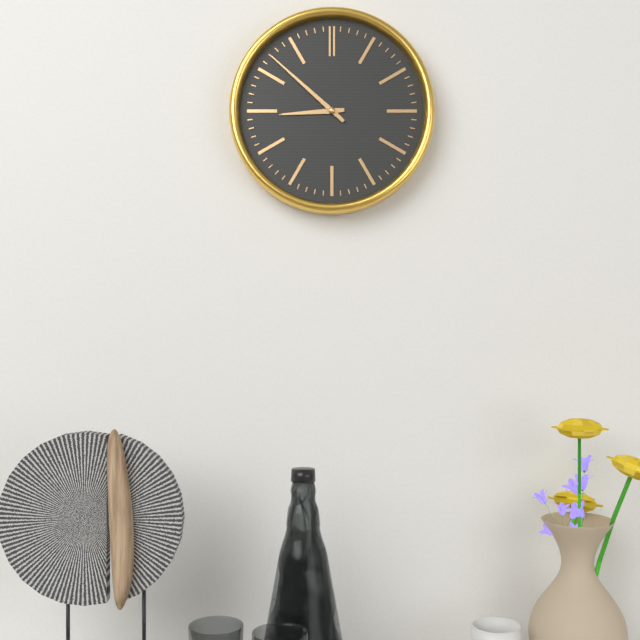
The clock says 8:52
